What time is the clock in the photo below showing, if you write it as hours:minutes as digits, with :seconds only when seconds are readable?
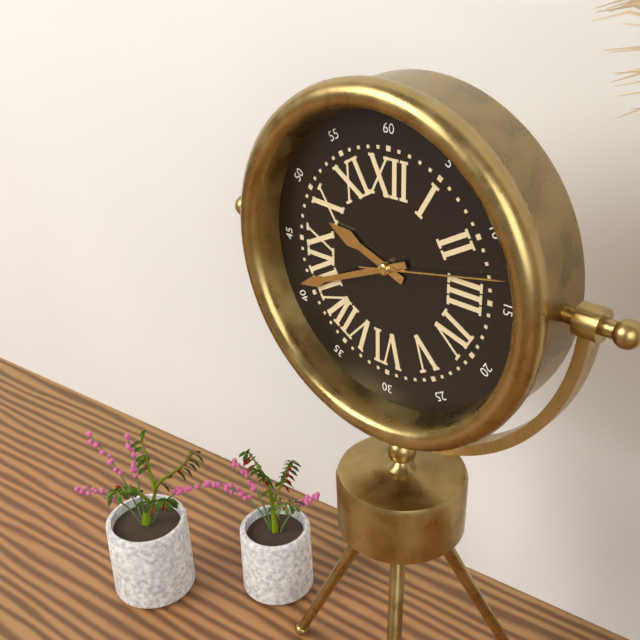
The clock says 9:41:13
